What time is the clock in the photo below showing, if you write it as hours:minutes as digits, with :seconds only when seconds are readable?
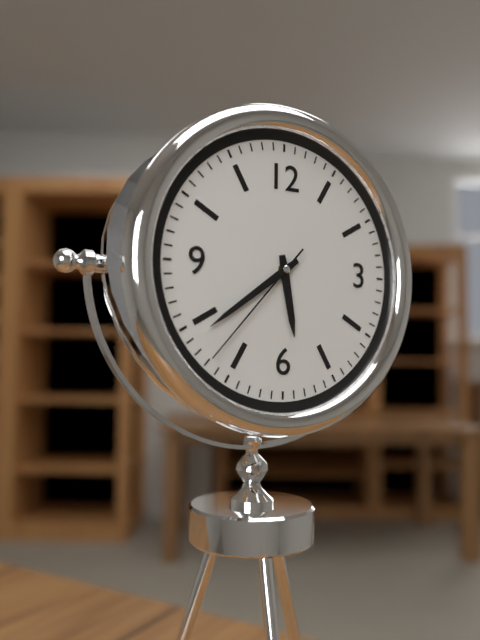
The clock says 5:39:37
